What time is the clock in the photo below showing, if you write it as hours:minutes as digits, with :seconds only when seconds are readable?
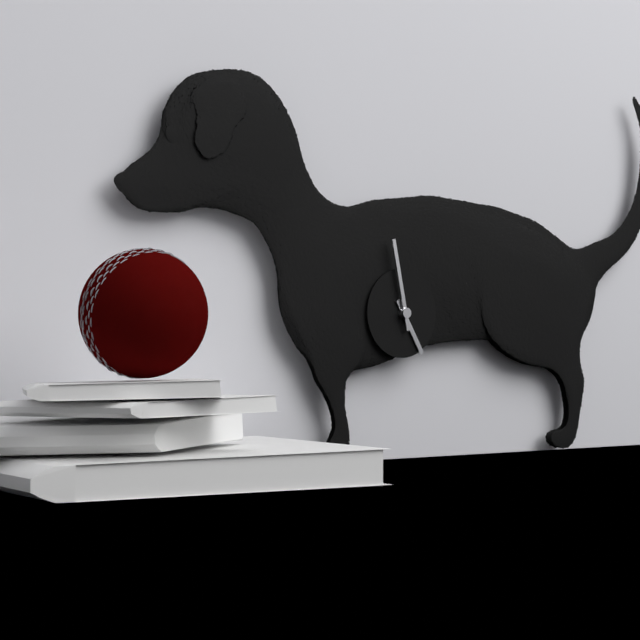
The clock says 4:58
